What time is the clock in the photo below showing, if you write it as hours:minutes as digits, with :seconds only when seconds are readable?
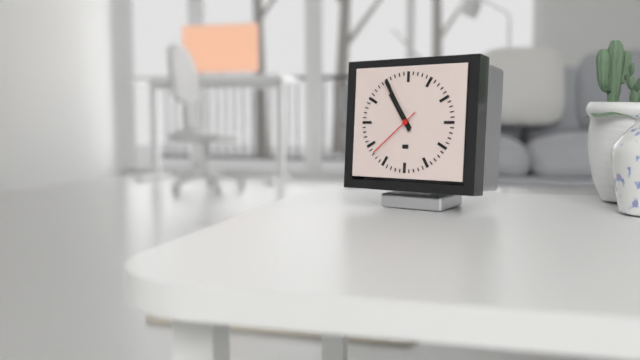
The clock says 10:55:38
